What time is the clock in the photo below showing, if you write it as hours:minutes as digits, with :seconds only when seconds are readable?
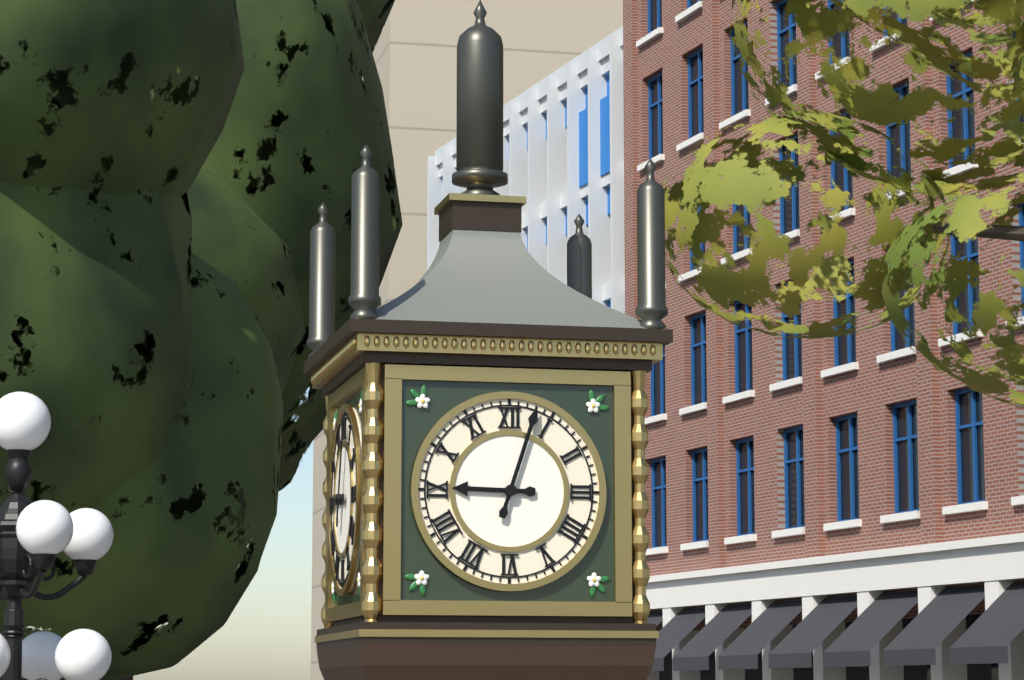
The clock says 9:03
